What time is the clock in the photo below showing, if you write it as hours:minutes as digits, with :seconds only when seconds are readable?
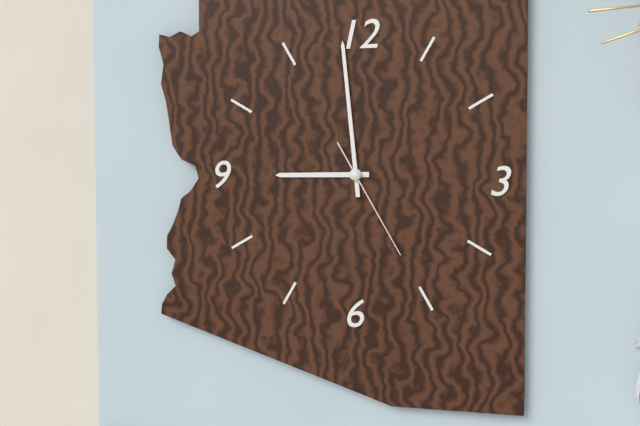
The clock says 8:59:25
